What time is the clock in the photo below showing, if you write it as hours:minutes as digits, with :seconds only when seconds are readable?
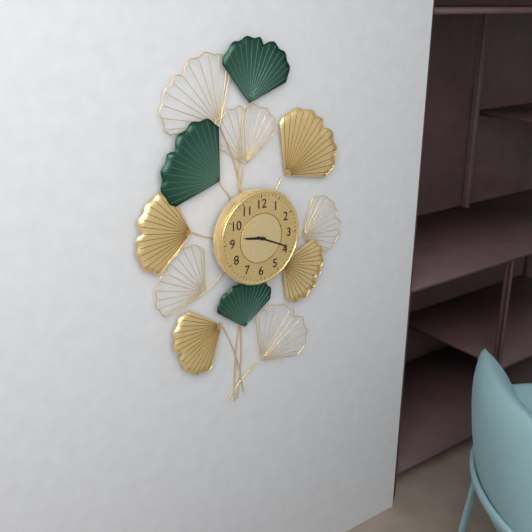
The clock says 9:19
